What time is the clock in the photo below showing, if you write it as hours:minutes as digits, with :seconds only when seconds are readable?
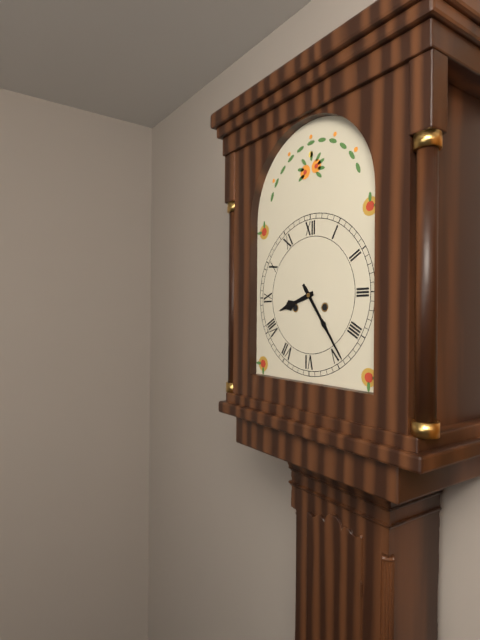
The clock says 8:24
